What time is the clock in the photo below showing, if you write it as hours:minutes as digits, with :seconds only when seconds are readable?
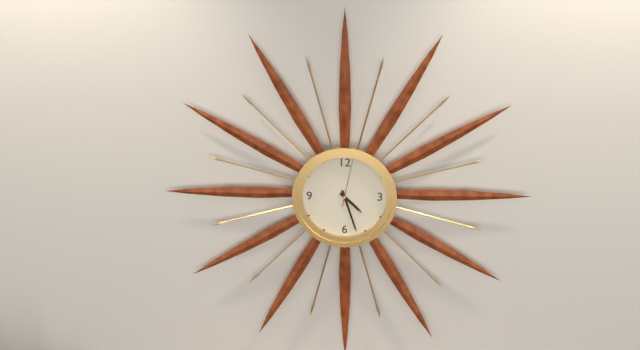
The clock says 4:27:02
